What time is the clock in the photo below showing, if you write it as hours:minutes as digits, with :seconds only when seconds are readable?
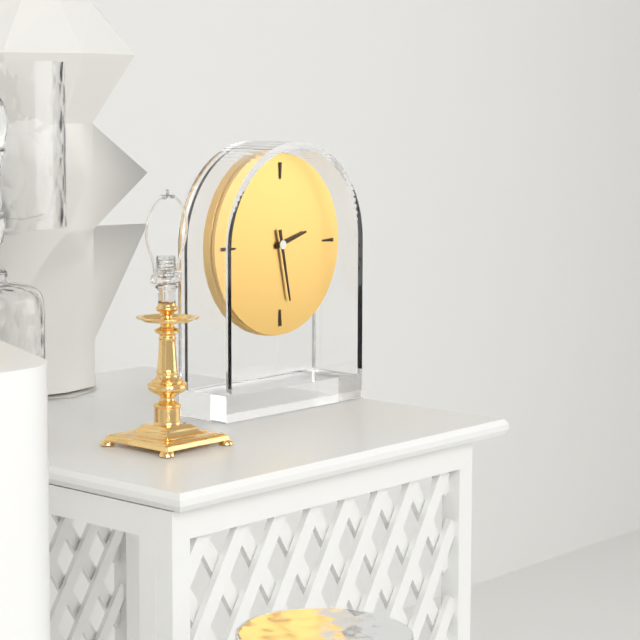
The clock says 2:28
